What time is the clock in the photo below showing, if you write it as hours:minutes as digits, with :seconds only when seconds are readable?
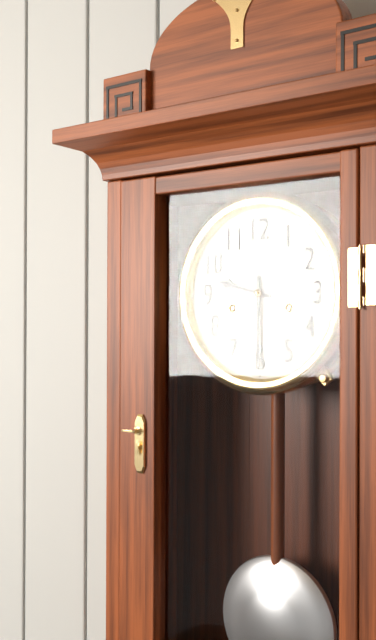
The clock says 9:30
